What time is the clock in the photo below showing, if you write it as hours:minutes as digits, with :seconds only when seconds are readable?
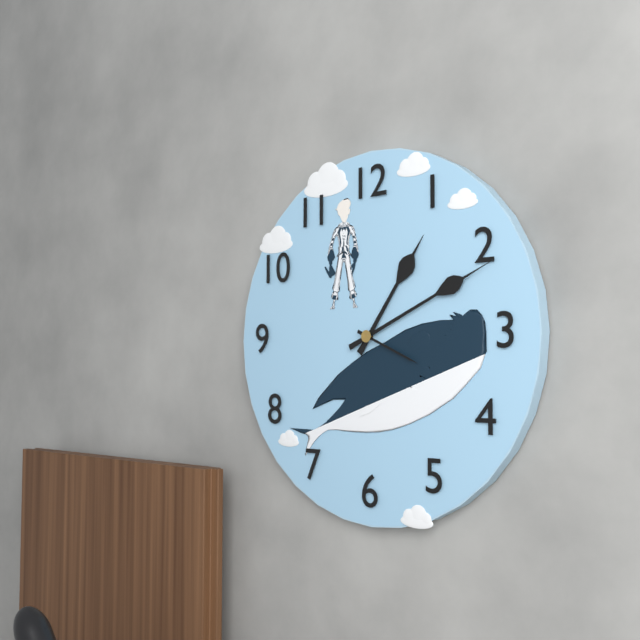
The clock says 1:11:19
